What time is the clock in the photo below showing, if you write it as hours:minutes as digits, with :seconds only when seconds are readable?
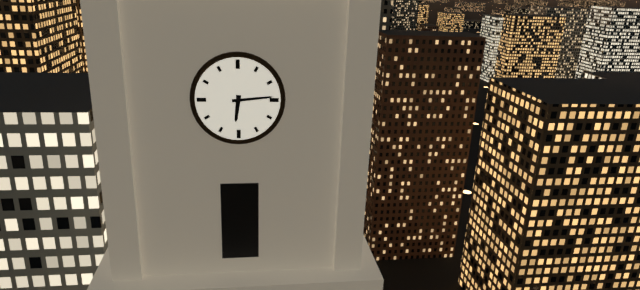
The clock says 6:14
